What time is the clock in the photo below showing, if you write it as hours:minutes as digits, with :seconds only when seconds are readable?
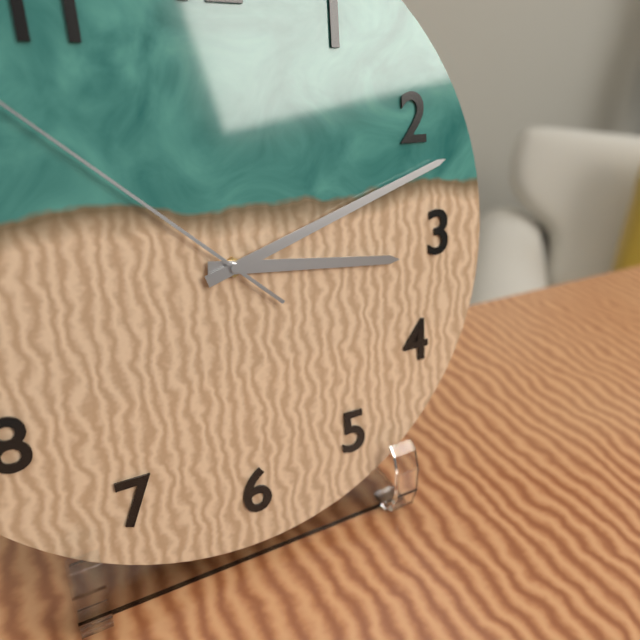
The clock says 3:12
